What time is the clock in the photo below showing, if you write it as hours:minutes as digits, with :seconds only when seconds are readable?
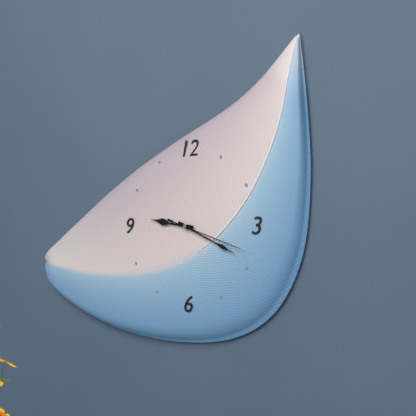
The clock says 9:19:18
